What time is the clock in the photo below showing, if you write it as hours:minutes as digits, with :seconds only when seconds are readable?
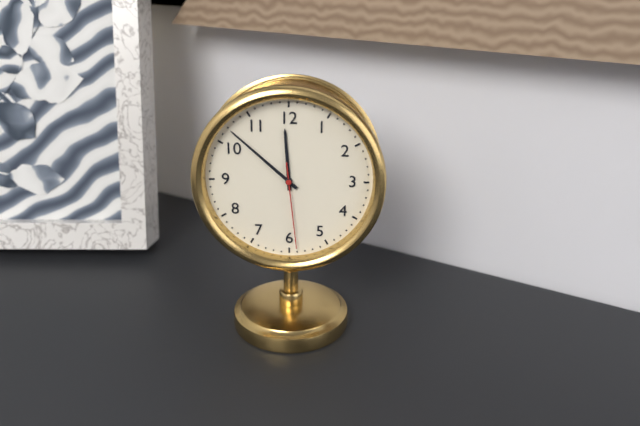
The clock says 11:52:29
